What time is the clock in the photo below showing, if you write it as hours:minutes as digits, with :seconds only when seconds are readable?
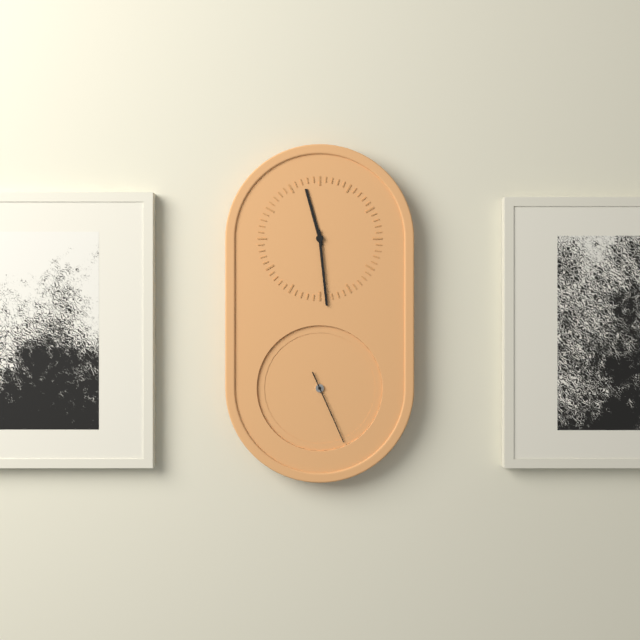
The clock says 11:29:26
